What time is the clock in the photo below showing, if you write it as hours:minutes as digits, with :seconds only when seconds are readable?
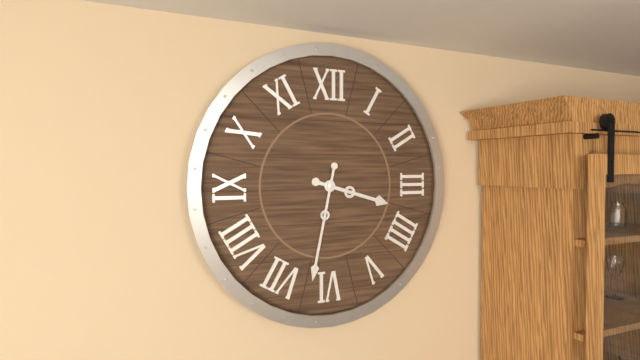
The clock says 3:32
